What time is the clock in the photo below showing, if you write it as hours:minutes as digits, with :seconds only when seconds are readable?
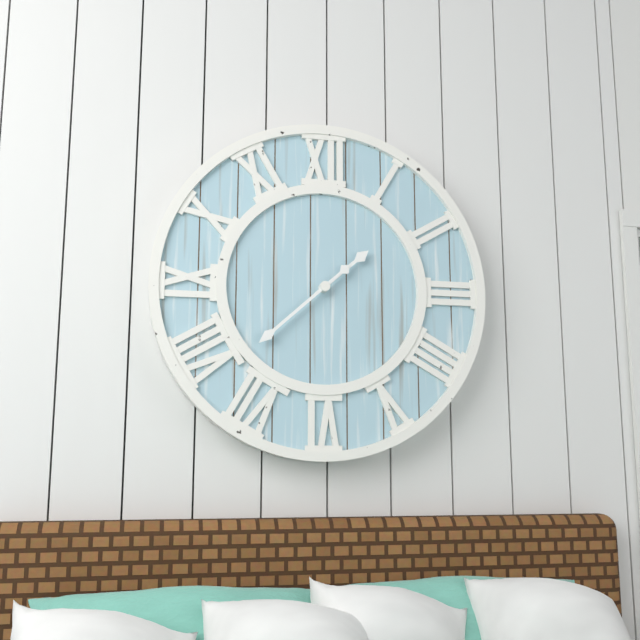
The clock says 1:38
